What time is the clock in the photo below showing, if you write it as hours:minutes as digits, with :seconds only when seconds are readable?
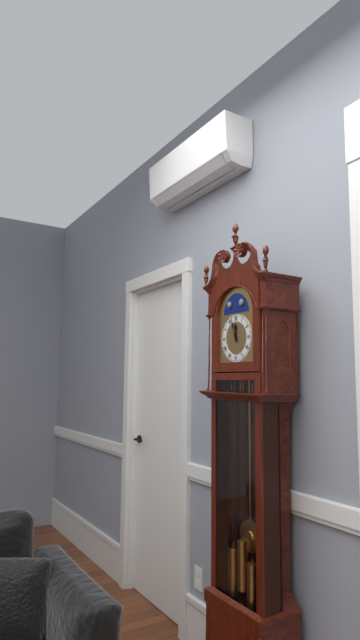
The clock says 11:57
